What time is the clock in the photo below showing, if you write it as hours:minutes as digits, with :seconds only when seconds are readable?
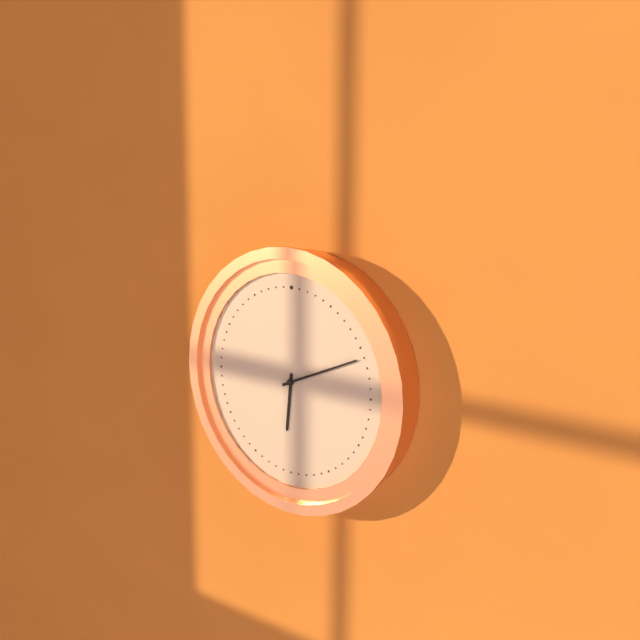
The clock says 6:11
